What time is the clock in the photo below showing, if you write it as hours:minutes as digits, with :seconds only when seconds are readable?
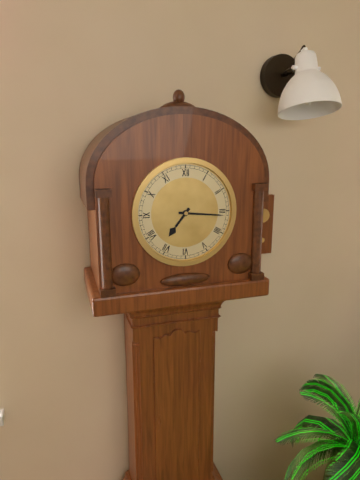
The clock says 7:16
